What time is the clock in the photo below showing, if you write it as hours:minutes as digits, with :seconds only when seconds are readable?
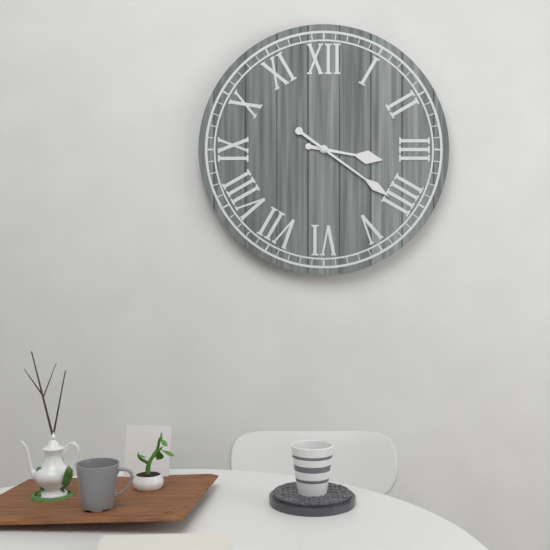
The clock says 3:21
